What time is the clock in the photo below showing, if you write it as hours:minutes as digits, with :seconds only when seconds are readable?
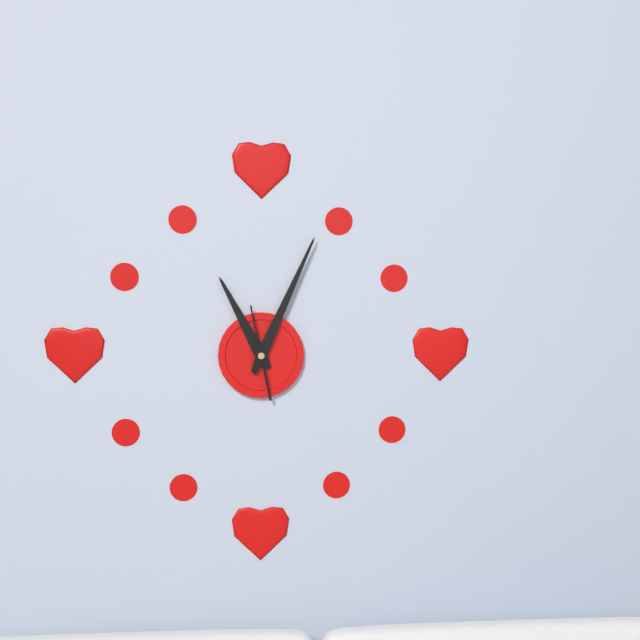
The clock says 11:04:58
